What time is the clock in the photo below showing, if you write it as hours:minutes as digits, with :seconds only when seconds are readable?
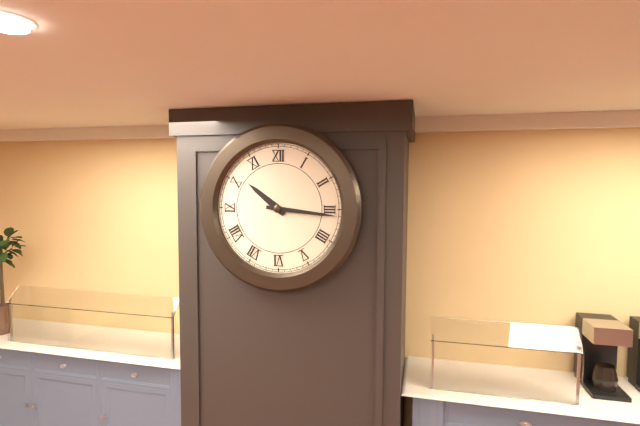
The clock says 10:16
